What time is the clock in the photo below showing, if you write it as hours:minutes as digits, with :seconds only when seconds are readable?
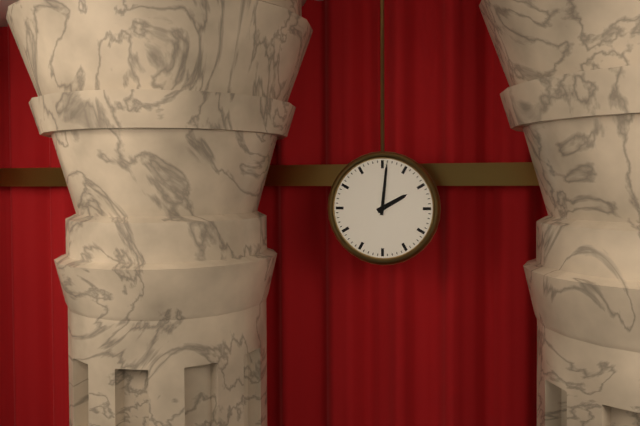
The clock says 2:01
